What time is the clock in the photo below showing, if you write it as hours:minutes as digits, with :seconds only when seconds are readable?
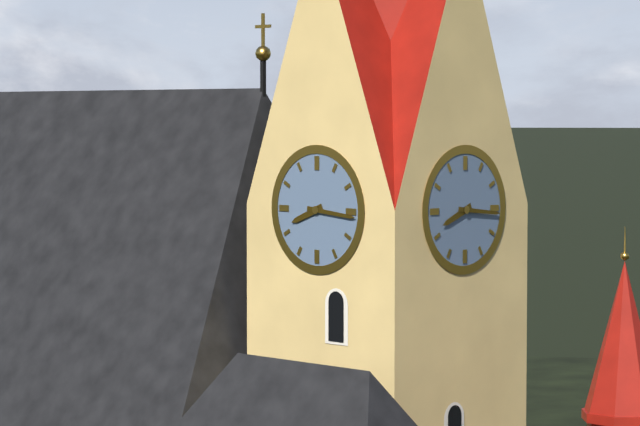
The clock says 8:16
